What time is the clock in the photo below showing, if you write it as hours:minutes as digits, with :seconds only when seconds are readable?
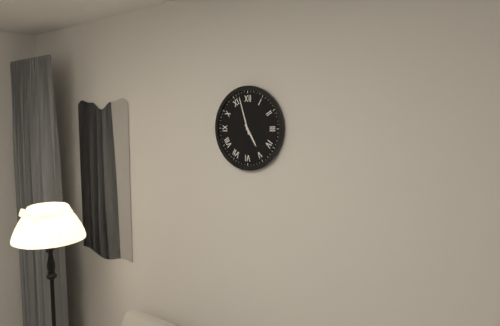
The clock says 4:57
